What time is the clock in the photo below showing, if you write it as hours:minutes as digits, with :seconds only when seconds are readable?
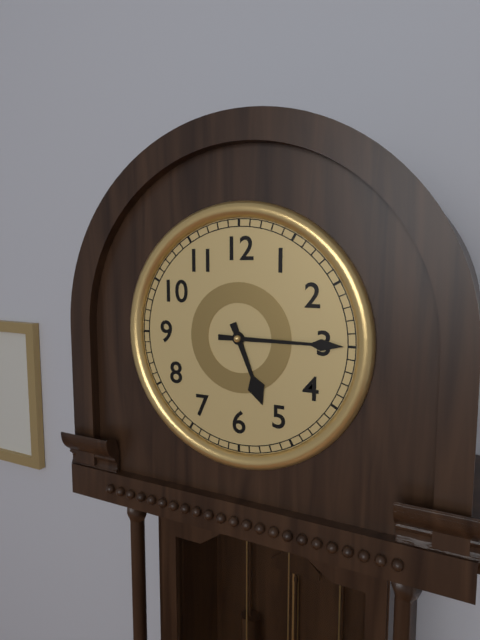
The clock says 5:15
